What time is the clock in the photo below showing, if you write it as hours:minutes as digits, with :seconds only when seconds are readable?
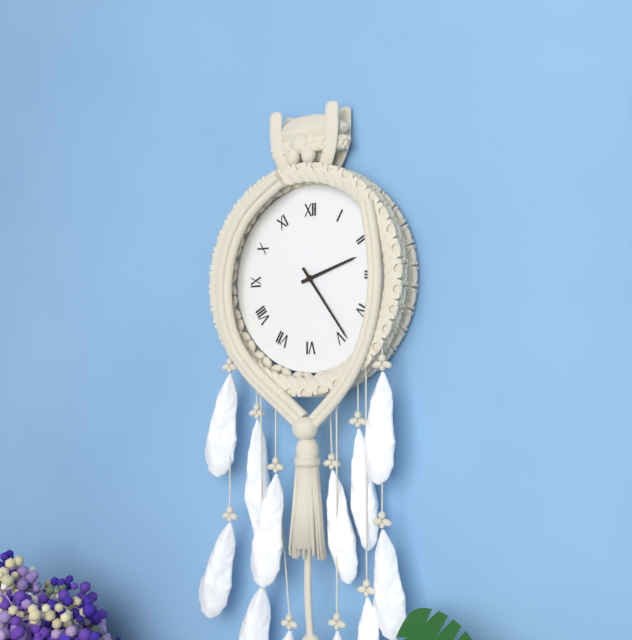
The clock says 2:24
